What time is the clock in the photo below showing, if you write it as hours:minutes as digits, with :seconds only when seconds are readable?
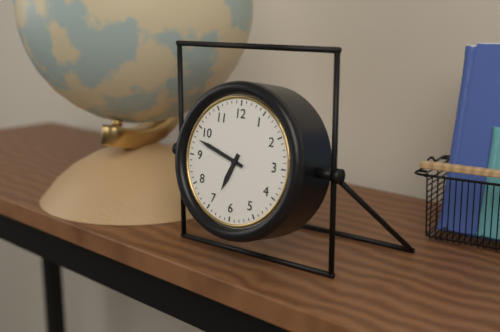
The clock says 6:48
